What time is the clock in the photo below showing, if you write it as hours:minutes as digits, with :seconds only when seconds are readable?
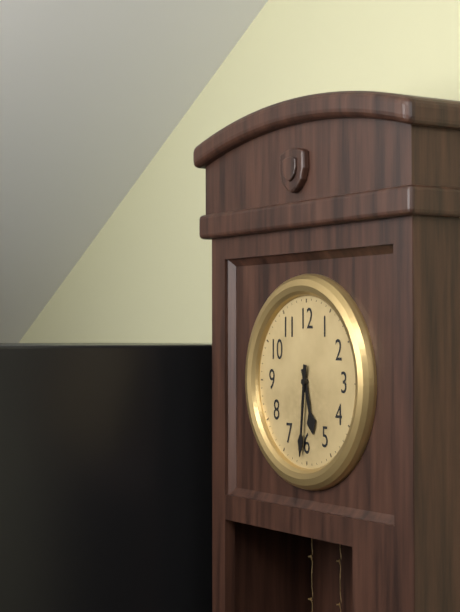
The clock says 5:31
